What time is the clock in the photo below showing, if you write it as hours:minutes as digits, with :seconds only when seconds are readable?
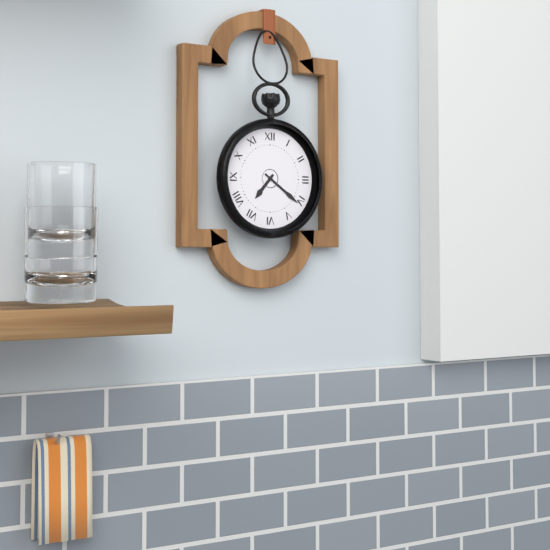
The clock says 7:21
